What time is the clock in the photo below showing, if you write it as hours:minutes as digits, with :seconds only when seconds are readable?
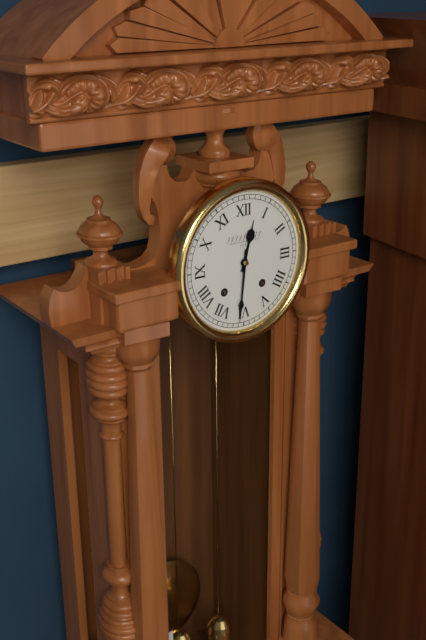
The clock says 12:31
